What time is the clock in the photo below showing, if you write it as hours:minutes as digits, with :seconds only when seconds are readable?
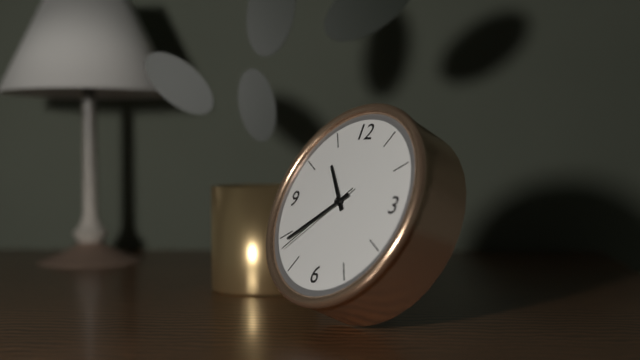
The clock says 10:39:38
